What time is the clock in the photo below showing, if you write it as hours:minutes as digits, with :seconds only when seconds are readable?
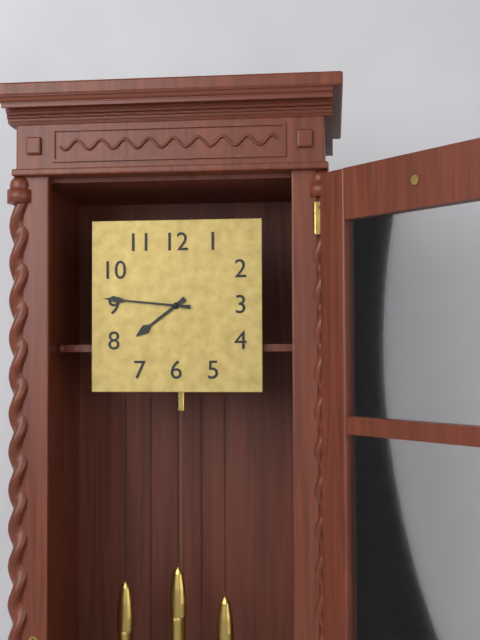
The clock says 7:46
